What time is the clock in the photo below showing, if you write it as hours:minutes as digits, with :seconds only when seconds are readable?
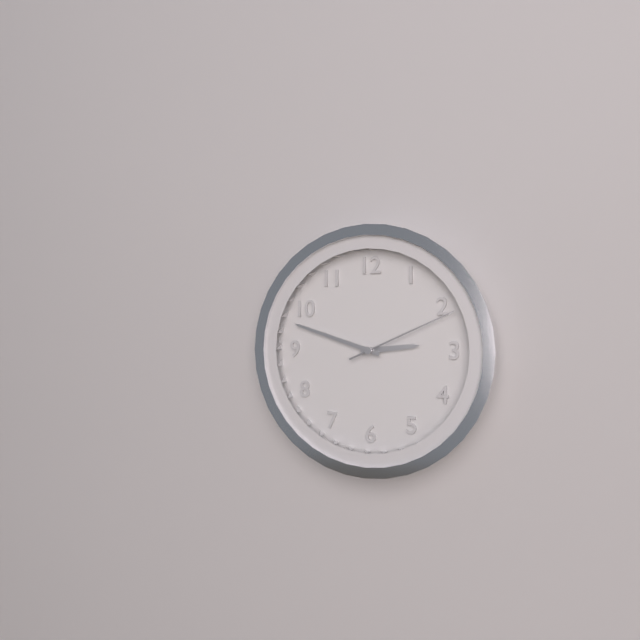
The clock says 2:48:11
